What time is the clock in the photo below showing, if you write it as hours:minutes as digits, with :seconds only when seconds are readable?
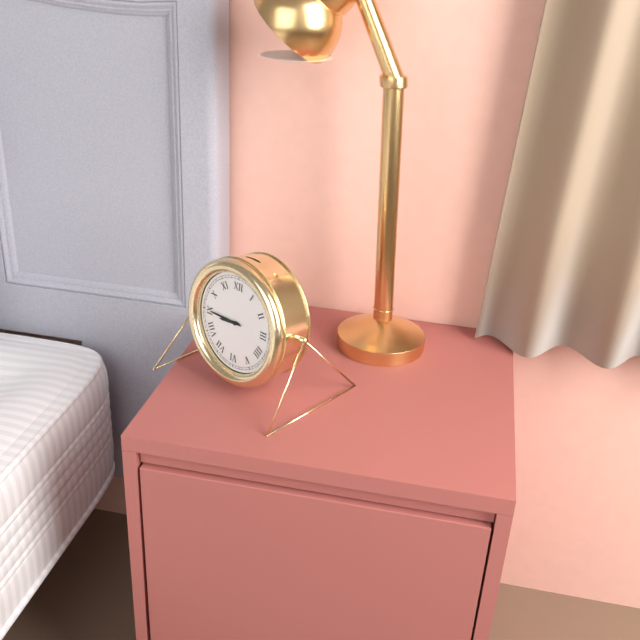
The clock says 8:45
